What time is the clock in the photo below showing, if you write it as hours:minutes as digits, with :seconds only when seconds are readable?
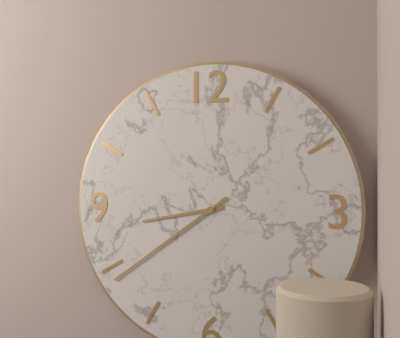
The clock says 8:39
